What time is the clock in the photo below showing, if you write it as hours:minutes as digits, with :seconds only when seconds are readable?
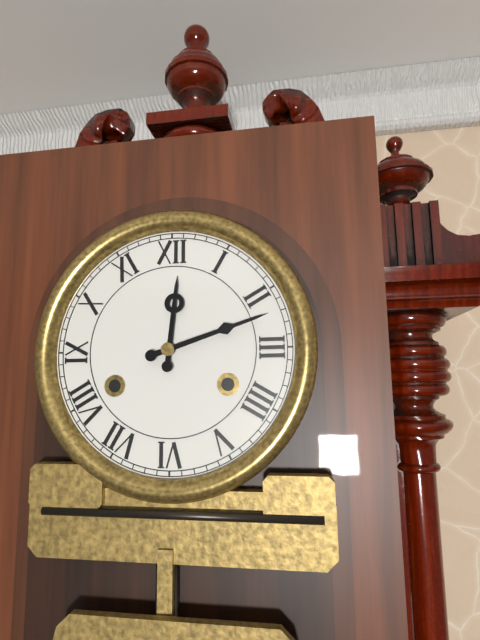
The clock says 12:12
